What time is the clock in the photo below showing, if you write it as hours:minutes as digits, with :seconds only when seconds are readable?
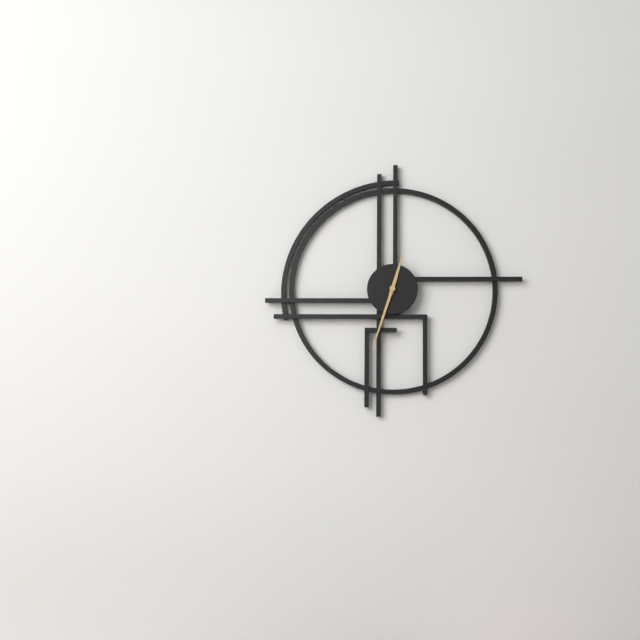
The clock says 12:33
